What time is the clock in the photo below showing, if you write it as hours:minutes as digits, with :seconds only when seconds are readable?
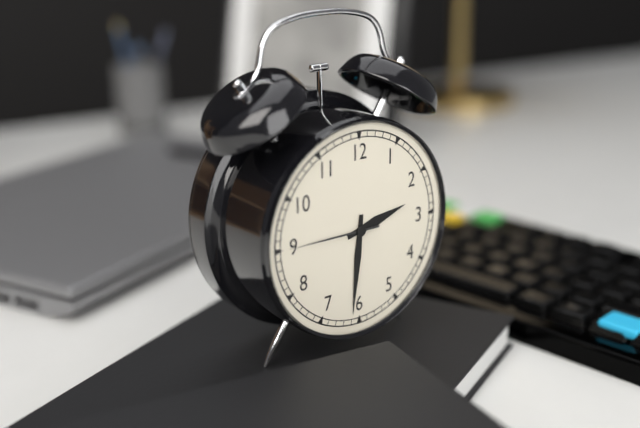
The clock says 2:31:45
